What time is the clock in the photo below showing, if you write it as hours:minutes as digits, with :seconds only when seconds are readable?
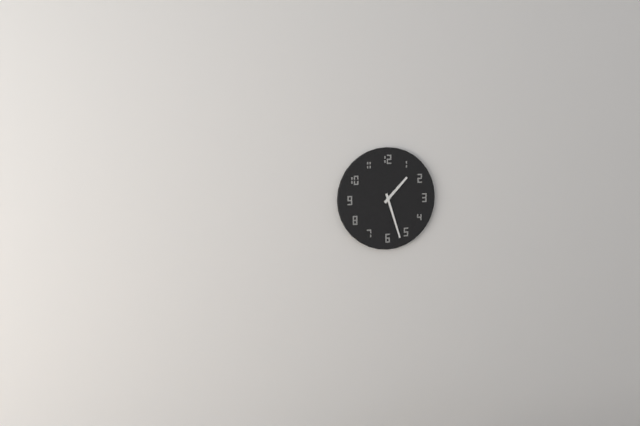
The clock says 1:27
